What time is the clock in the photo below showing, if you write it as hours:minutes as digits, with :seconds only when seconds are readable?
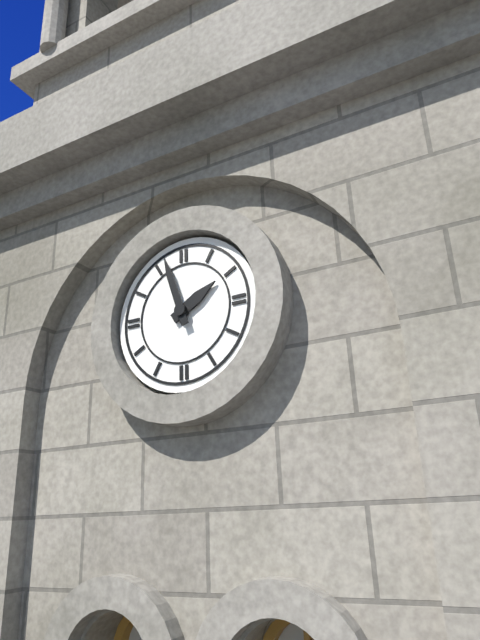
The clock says 1:57
